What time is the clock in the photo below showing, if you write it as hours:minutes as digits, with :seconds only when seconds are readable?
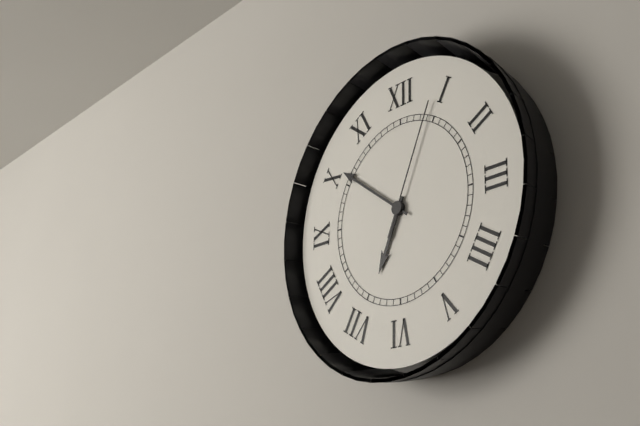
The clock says 6:51:04
